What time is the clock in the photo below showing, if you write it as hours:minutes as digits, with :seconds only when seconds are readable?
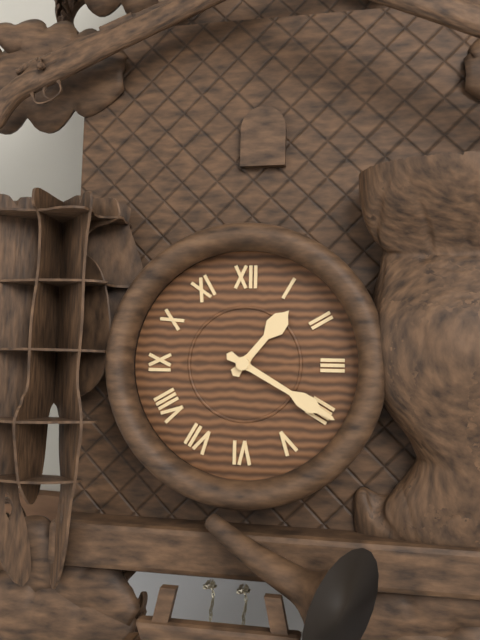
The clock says 1:20
